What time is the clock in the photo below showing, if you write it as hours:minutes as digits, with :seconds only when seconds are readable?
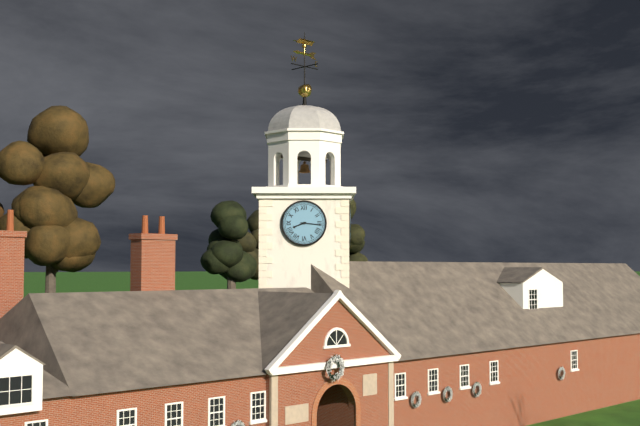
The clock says 8:16
